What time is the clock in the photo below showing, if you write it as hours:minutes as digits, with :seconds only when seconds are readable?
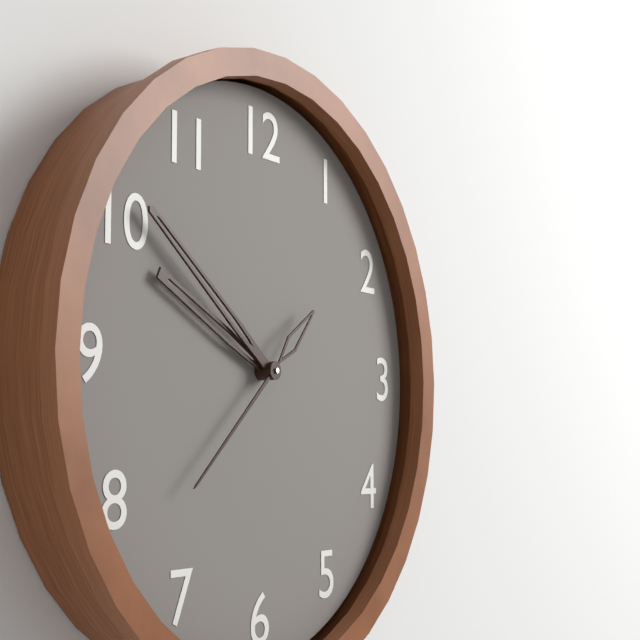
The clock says 9:51:38
